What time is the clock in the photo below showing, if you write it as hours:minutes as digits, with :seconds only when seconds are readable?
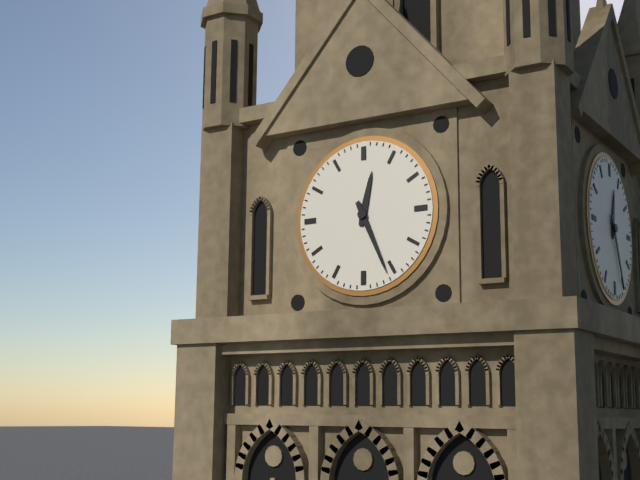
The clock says 12:26
